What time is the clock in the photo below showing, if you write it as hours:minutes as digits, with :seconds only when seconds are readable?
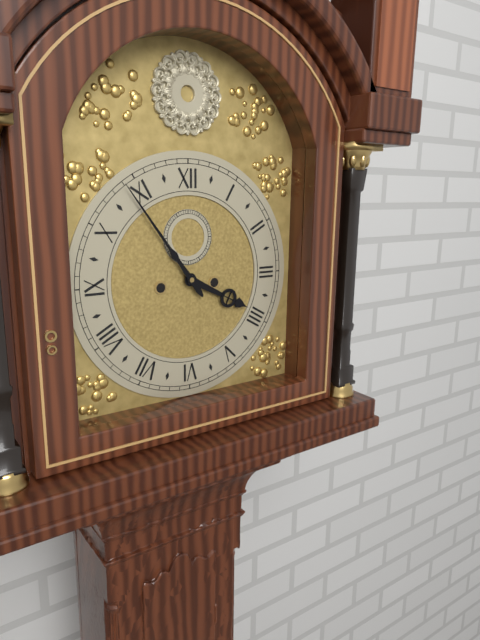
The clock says 3:54
